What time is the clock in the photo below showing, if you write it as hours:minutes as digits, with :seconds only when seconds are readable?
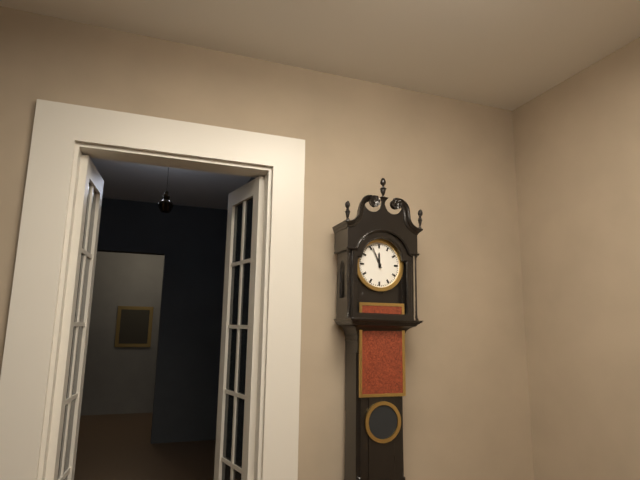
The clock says 11:56
